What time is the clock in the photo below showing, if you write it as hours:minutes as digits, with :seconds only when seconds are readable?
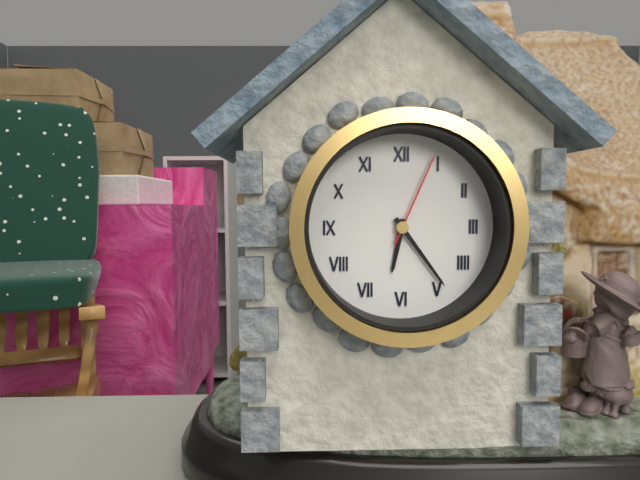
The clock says 6:24:04
